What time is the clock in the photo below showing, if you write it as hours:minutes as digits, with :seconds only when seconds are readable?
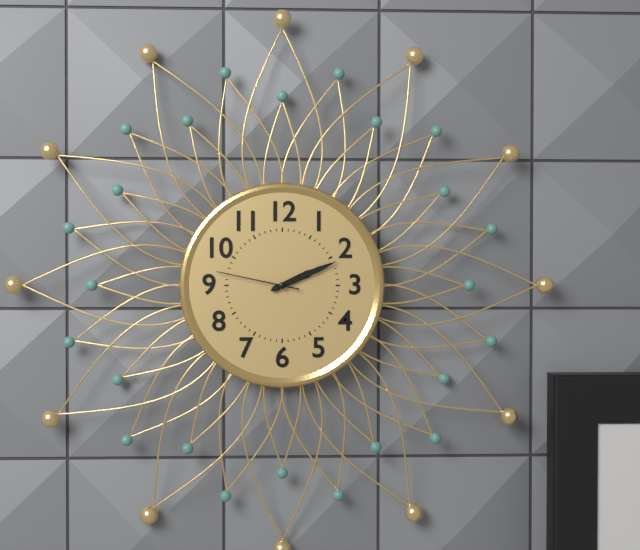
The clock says 2:11:47
